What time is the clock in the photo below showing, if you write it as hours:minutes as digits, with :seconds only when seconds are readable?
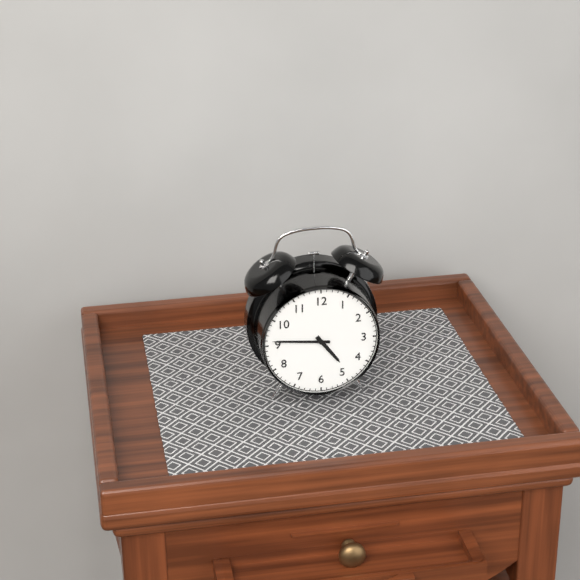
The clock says 4:46
